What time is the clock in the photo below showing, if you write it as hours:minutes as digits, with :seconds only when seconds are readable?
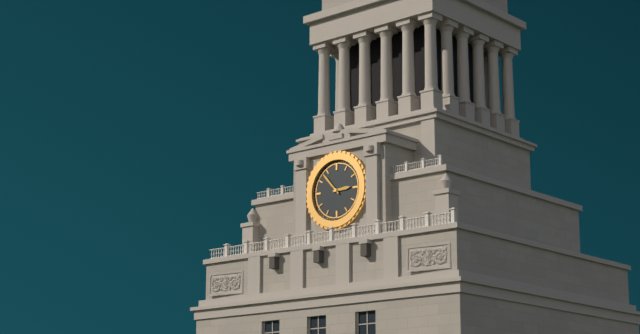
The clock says 2:53
